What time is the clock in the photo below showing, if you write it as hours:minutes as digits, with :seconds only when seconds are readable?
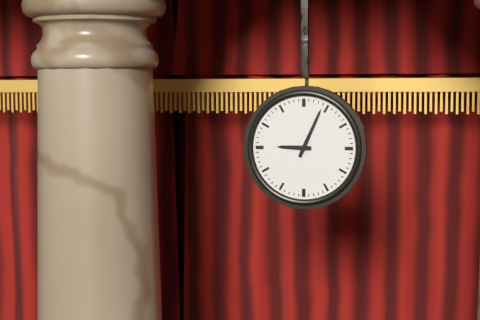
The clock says 9:04
